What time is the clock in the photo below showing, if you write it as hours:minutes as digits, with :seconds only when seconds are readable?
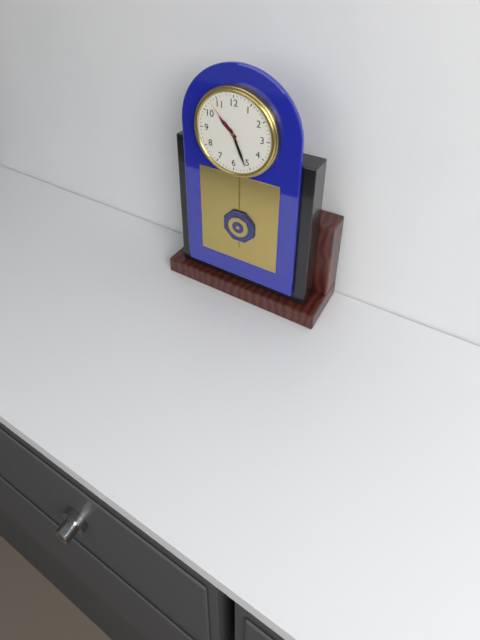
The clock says 10:26
